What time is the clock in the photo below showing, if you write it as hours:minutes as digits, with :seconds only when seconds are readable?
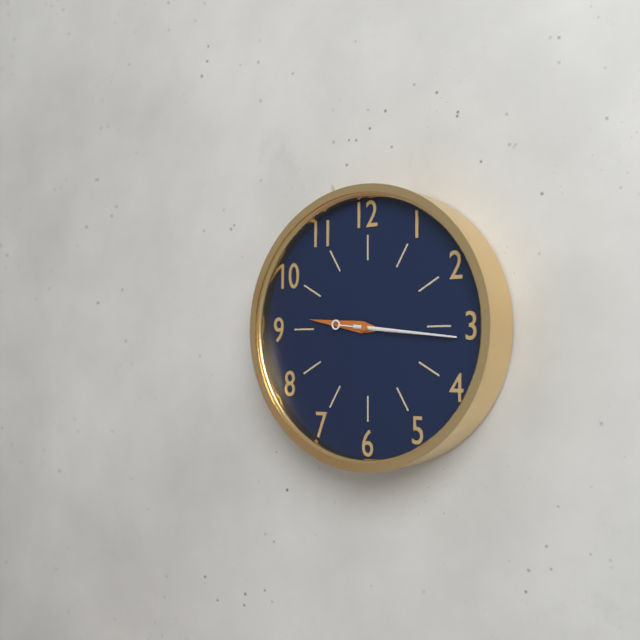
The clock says 9:16:16
